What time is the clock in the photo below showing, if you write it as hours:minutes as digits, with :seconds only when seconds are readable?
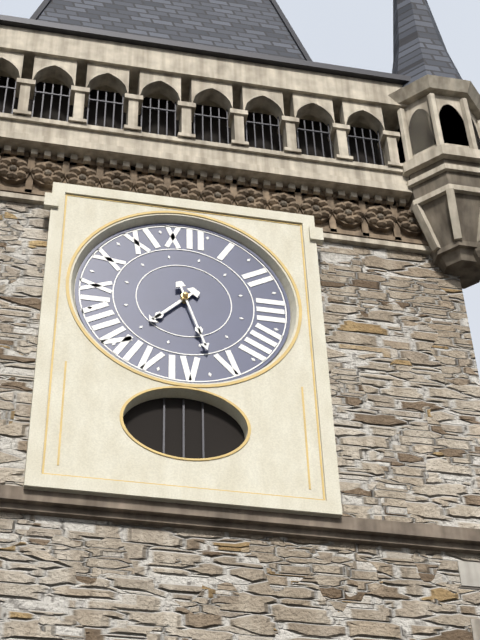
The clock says 7:27
